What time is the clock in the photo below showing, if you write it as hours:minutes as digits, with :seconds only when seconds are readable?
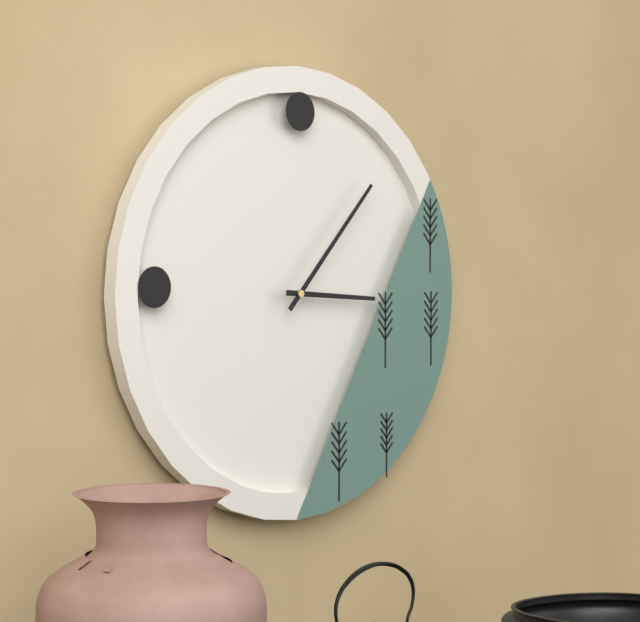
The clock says 3:07
